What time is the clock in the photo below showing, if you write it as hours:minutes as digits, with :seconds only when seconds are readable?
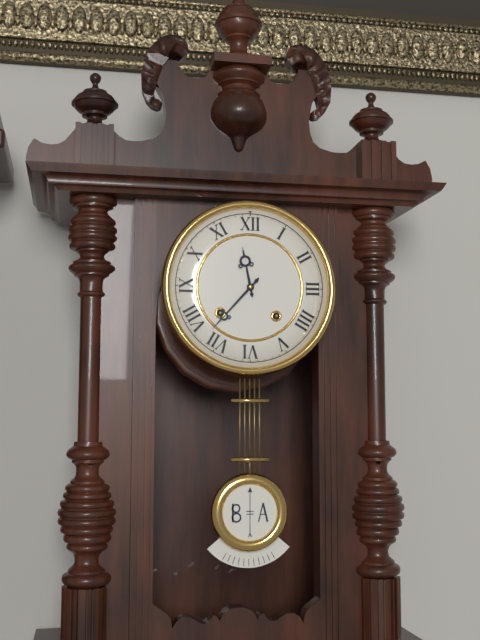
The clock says 11:37
